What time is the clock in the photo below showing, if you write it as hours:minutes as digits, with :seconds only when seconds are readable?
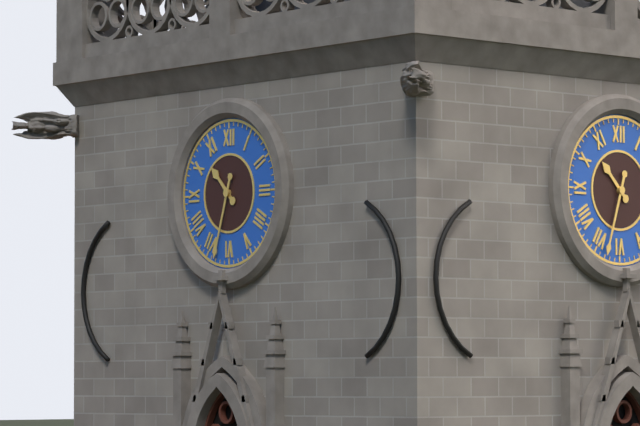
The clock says 10:33
